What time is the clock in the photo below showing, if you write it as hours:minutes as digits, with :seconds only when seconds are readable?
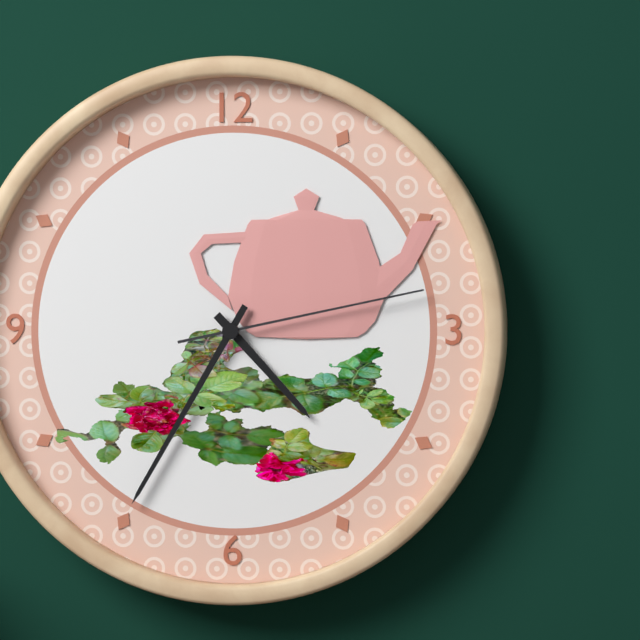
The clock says 4:35:13
